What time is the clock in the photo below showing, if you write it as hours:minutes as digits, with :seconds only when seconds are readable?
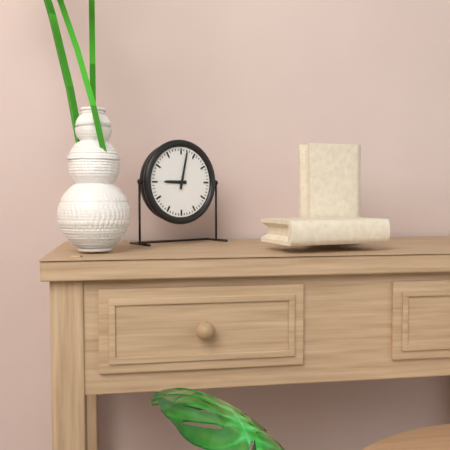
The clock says 9:02
